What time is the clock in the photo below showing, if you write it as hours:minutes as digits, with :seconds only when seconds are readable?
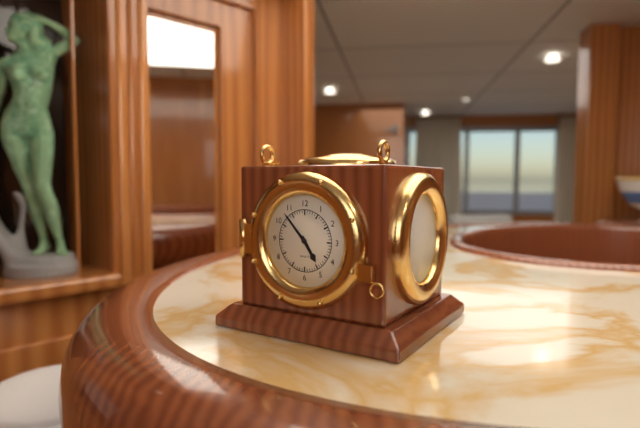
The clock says 4:53
